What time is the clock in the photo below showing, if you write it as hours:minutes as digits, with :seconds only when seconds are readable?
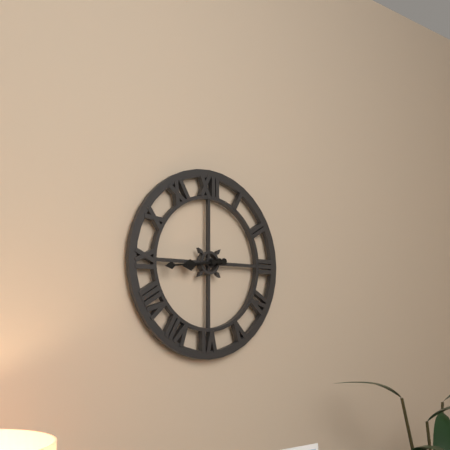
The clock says 8:44
